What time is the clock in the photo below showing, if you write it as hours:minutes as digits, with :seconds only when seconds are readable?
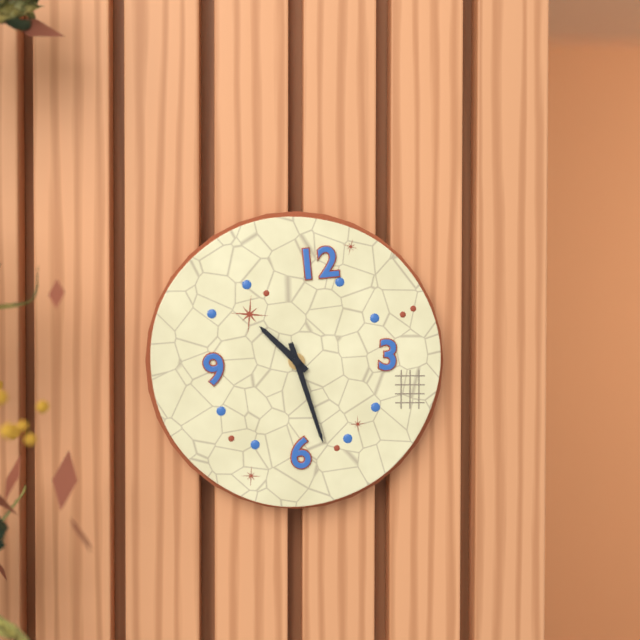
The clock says 10:27
